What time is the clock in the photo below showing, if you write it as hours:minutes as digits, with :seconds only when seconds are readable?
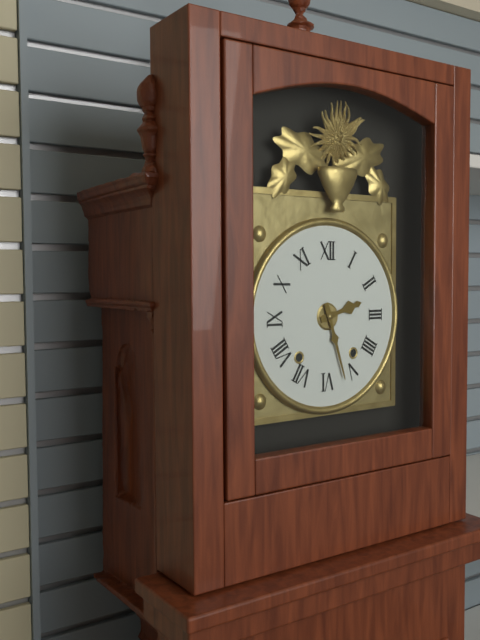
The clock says 2:27
